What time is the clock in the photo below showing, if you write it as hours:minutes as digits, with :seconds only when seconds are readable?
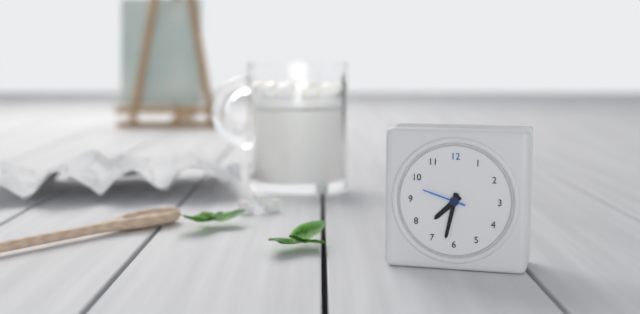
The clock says 7:32
